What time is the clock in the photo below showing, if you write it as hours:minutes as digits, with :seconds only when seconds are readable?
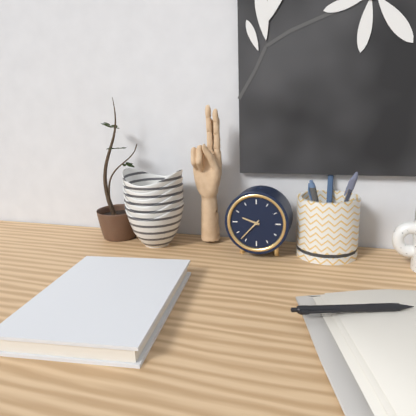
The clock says 9:37
